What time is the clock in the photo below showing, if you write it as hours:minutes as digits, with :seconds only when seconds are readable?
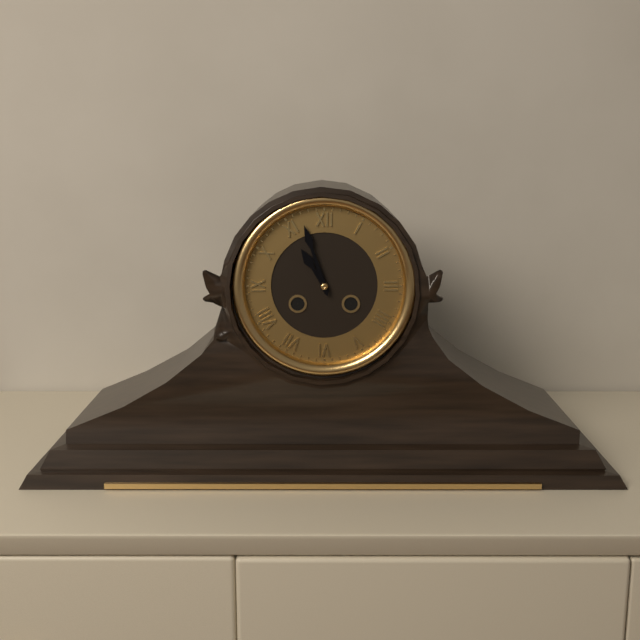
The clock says 10:57
